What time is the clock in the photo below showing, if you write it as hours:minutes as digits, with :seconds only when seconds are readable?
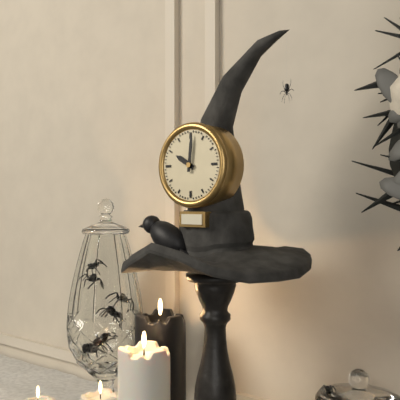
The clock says 10:01
